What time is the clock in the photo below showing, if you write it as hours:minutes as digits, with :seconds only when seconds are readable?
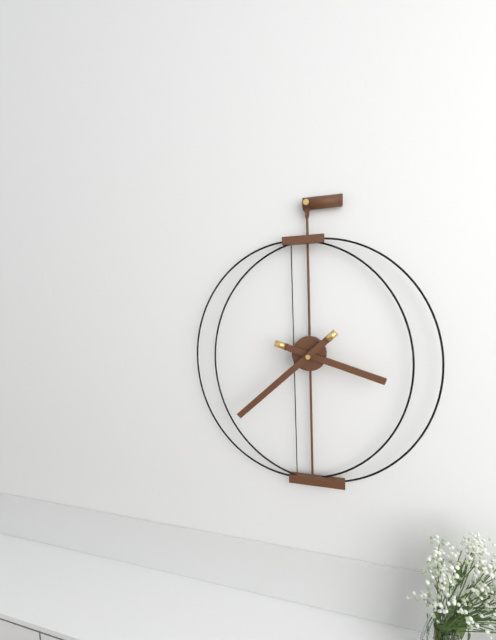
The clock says 3:38
